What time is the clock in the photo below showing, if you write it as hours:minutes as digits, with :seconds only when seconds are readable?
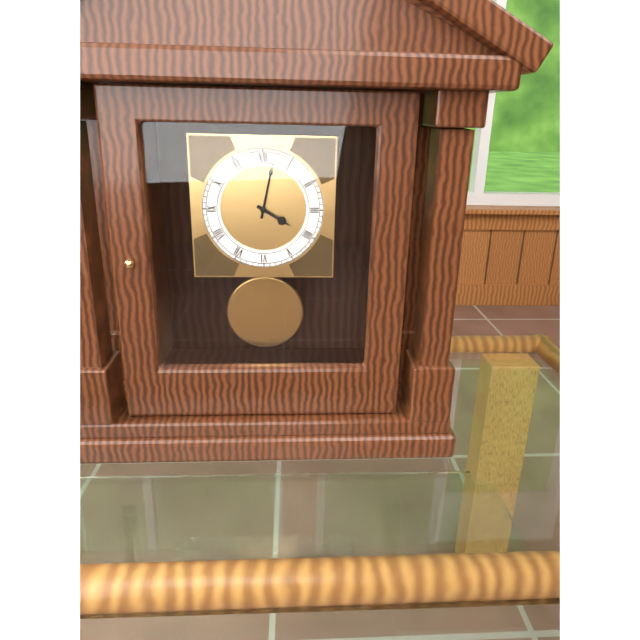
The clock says 4:02
